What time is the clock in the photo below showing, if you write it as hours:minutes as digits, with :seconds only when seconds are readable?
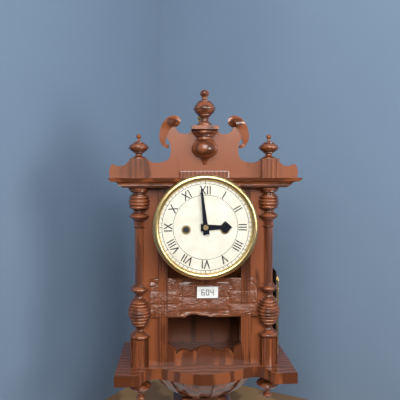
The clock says 2:59
